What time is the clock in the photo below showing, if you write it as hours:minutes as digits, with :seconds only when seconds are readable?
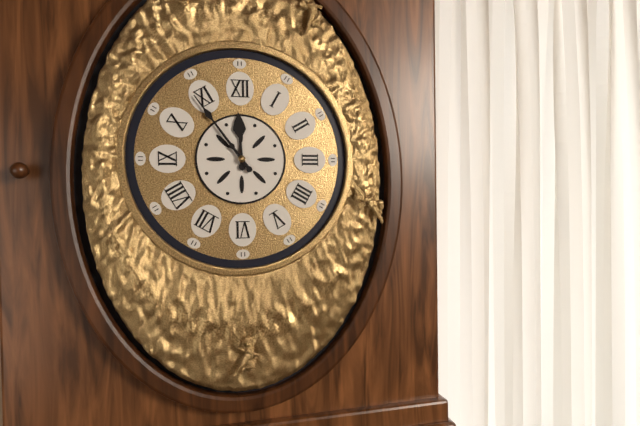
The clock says 11:54
